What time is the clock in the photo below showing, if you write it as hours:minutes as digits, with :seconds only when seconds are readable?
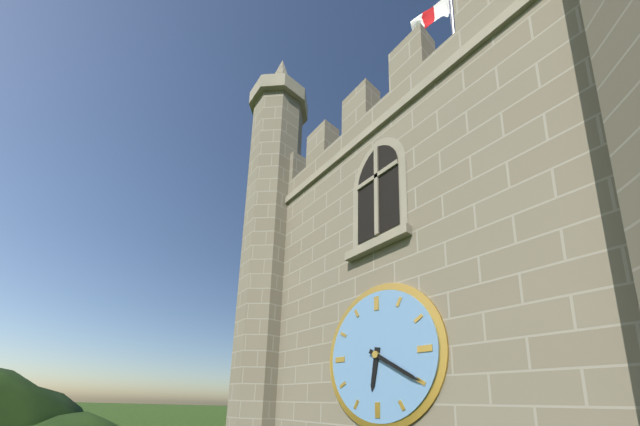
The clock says 6:20
